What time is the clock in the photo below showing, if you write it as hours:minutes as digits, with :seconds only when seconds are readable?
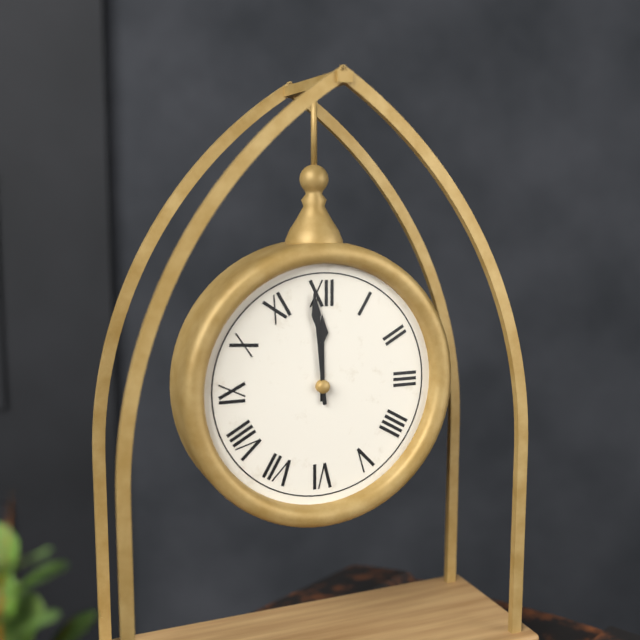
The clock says 11:59
